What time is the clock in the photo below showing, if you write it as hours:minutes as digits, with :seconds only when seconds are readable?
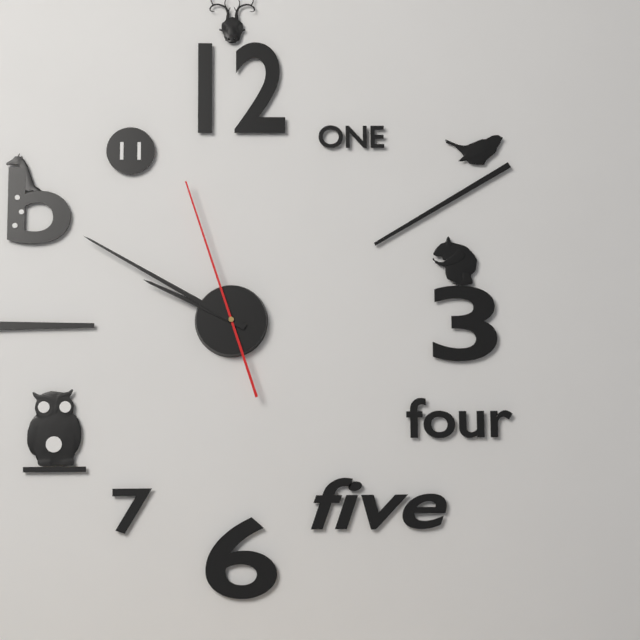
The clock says 9:50:57
